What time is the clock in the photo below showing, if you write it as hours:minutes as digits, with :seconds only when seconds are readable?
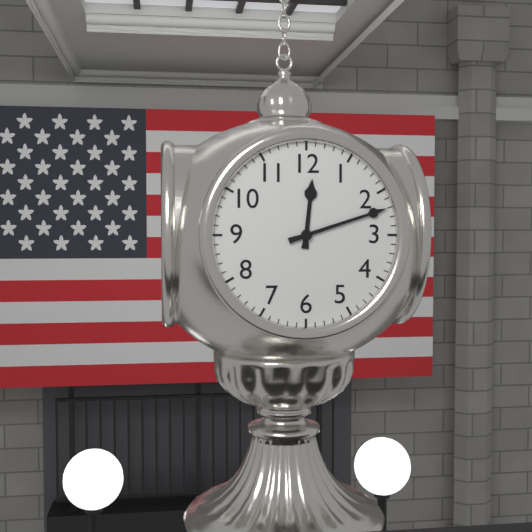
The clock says 12:12
